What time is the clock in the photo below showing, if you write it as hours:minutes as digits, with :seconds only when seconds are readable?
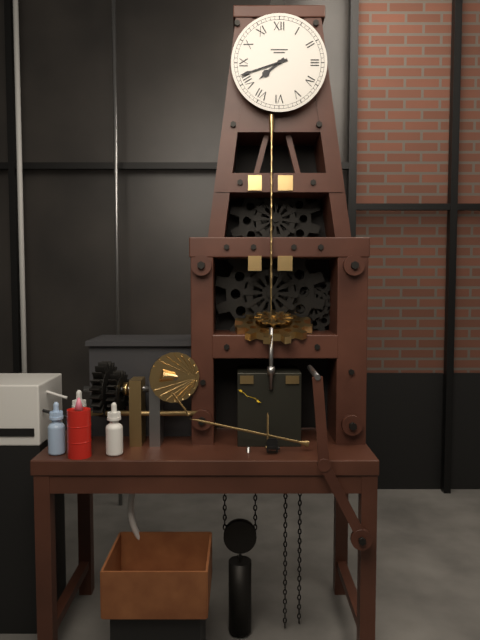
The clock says 7:42
